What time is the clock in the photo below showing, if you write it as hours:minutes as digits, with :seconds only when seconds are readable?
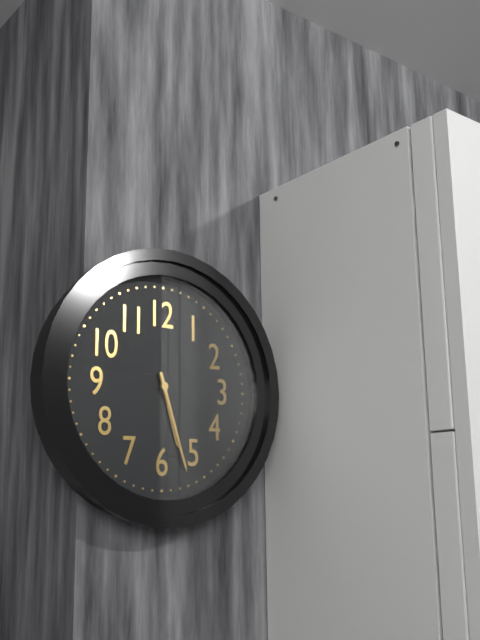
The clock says 5:27
